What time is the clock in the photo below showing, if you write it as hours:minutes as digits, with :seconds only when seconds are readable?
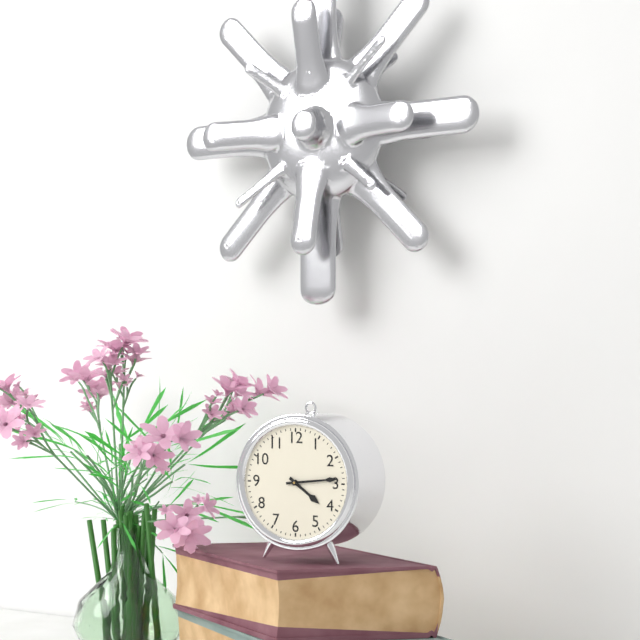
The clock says 4:14
